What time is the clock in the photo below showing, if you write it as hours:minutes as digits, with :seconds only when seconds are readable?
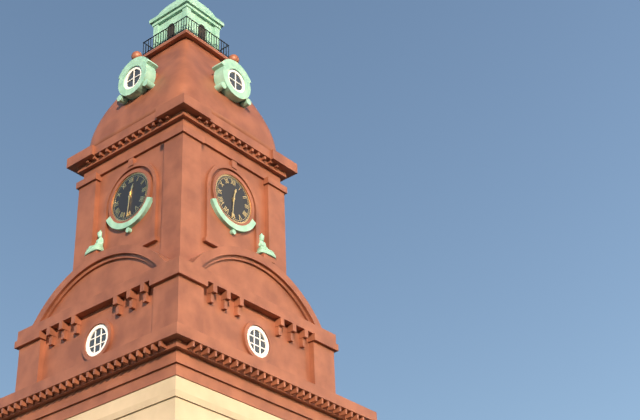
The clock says 12:31
